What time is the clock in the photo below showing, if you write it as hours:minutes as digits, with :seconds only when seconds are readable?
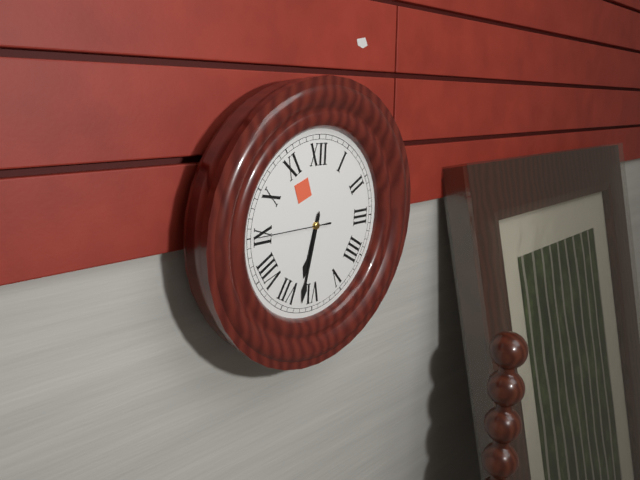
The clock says 6:32:45
